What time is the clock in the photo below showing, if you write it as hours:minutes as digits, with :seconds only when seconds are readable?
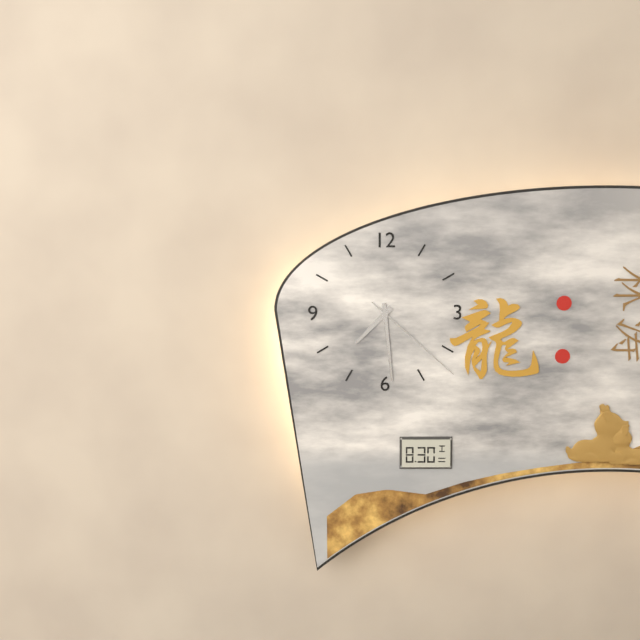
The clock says 7:29:22
